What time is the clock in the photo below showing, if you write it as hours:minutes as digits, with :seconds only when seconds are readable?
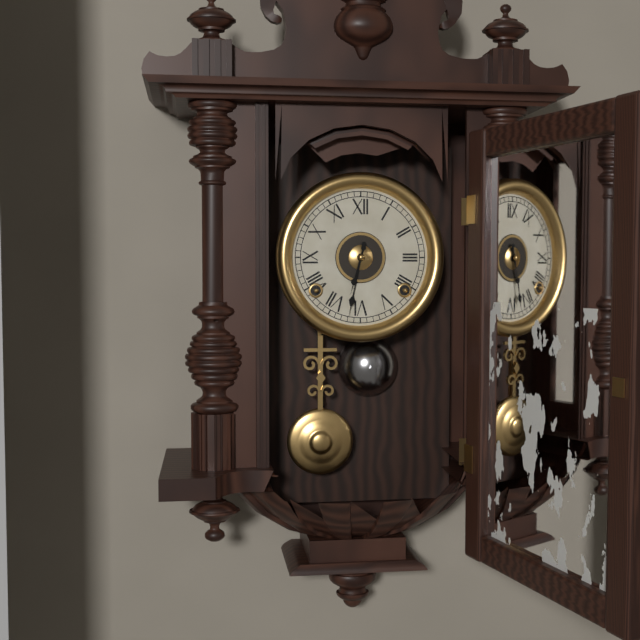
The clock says 6:32
